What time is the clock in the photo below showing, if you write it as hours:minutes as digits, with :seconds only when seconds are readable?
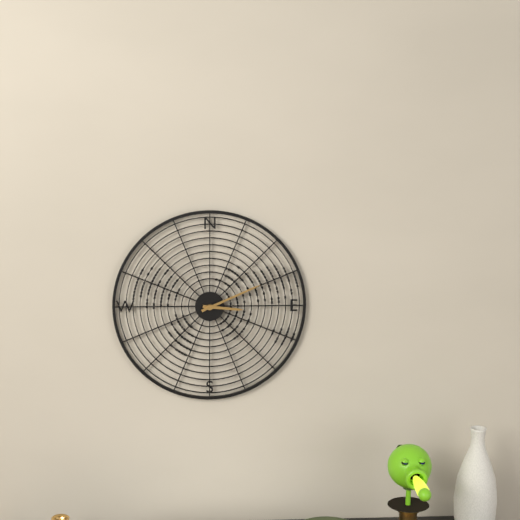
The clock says 3:11
